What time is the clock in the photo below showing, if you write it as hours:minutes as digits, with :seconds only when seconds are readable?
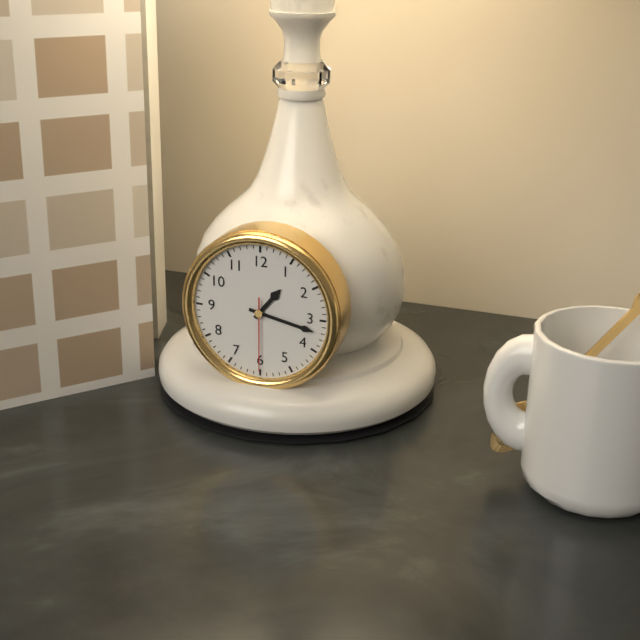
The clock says 1:17:30
